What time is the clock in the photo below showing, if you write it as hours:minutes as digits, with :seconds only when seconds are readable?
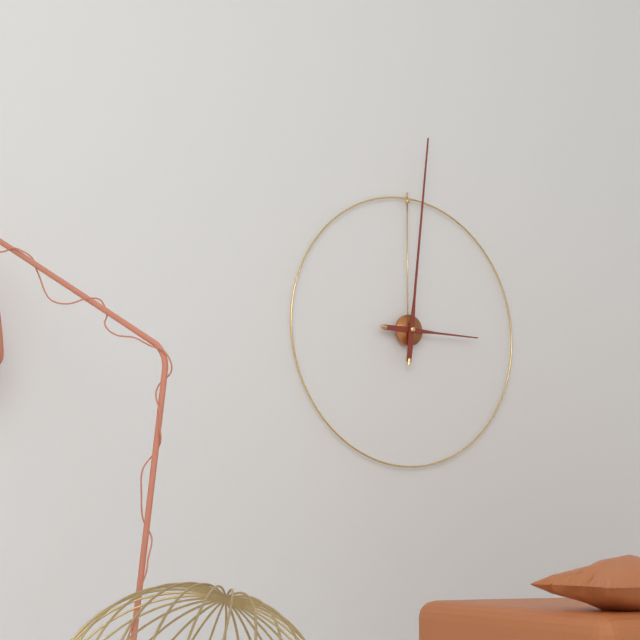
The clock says 3:01
